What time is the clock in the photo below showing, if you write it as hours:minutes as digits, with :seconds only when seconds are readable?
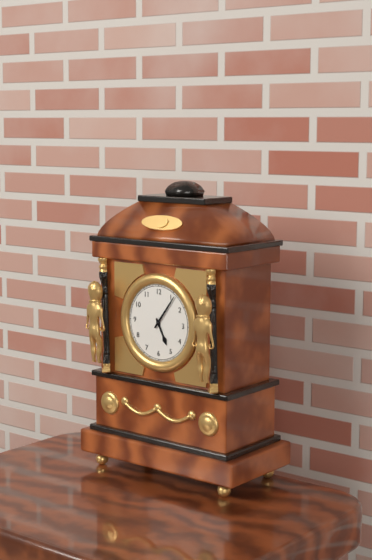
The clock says 5:06
